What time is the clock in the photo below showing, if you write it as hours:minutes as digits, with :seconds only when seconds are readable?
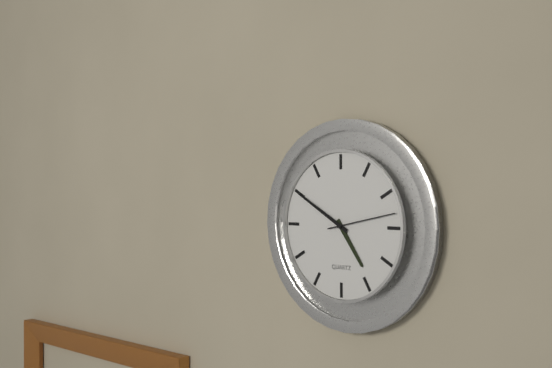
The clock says 4:50:13
